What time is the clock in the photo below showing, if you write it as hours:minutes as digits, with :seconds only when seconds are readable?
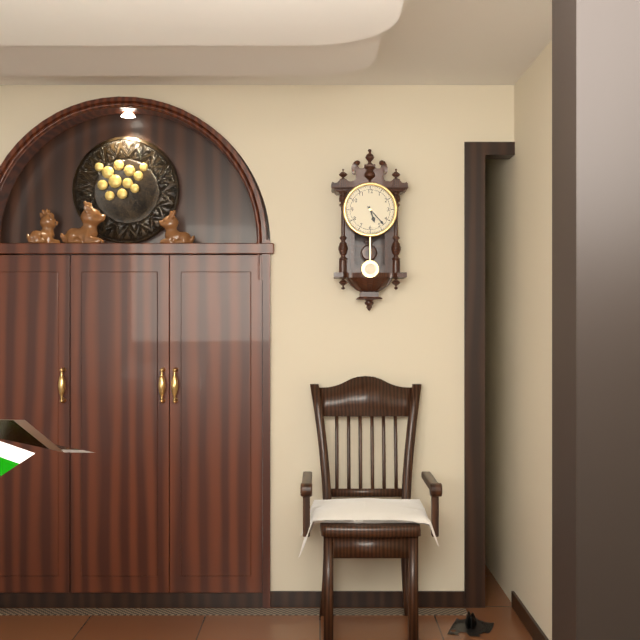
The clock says 5:23
